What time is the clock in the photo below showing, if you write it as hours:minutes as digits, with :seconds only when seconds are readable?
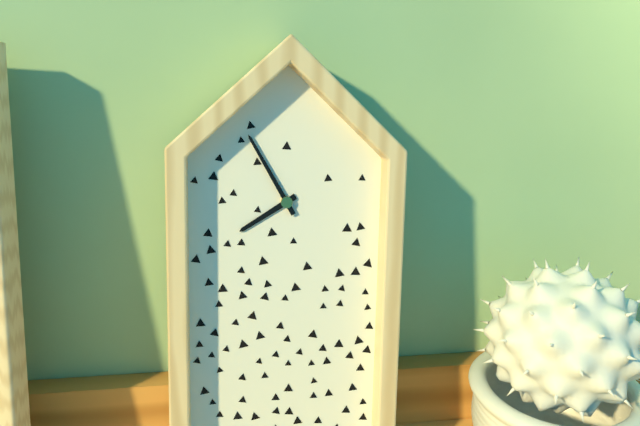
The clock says 7:55
